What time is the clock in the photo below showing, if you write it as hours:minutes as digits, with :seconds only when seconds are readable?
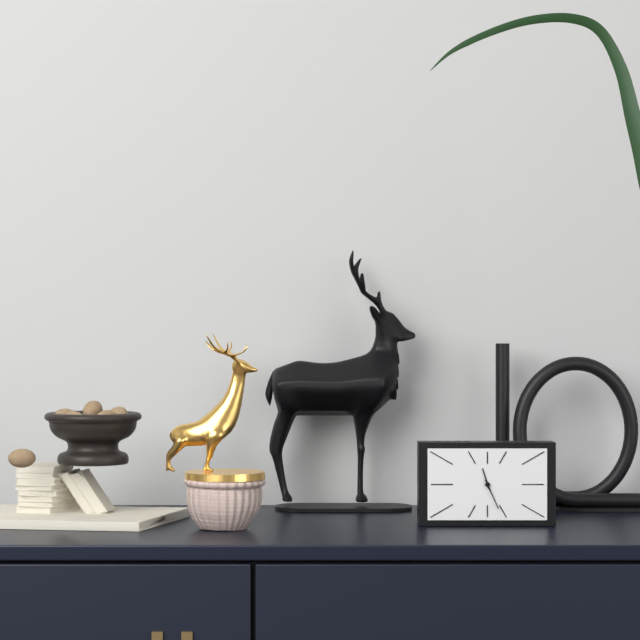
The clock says 11:26
